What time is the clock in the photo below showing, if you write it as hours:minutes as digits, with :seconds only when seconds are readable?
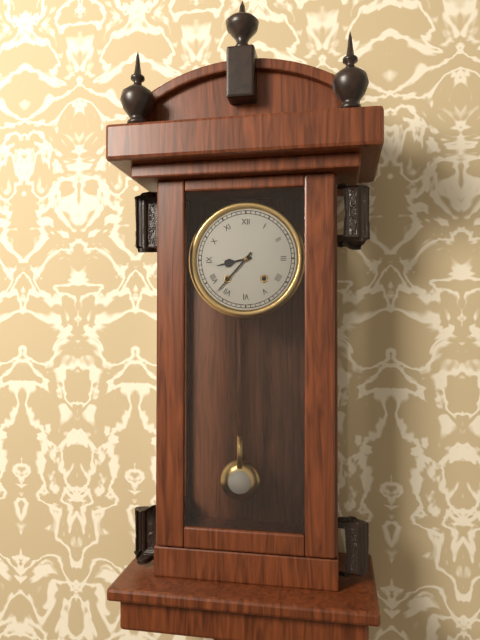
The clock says 8:37
